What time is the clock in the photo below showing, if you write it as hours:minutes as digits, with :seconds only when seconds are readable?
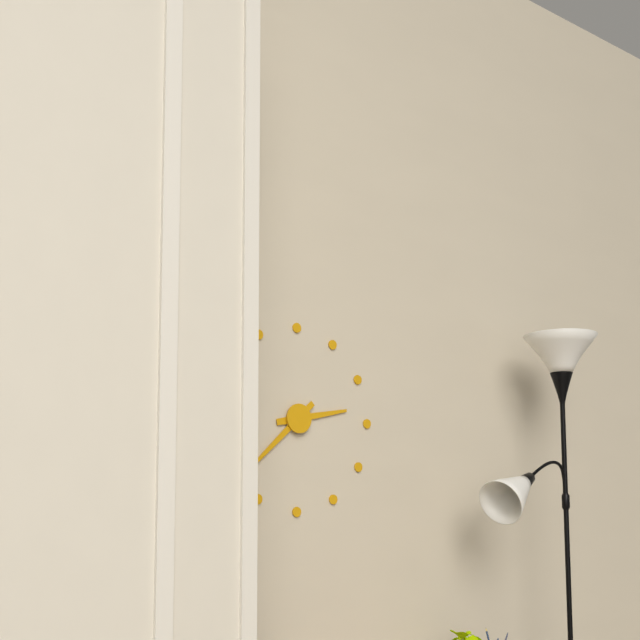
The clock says 2:38
